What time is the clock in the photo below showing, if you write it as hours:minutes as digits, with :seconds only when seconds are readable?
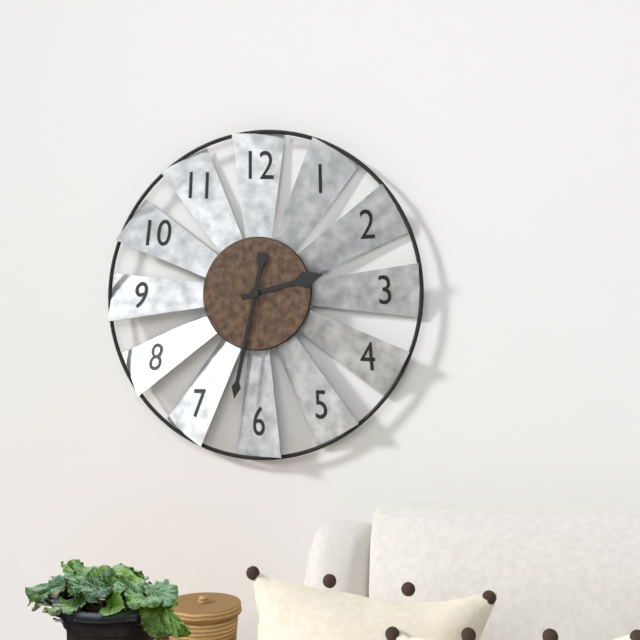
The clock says 2:32
